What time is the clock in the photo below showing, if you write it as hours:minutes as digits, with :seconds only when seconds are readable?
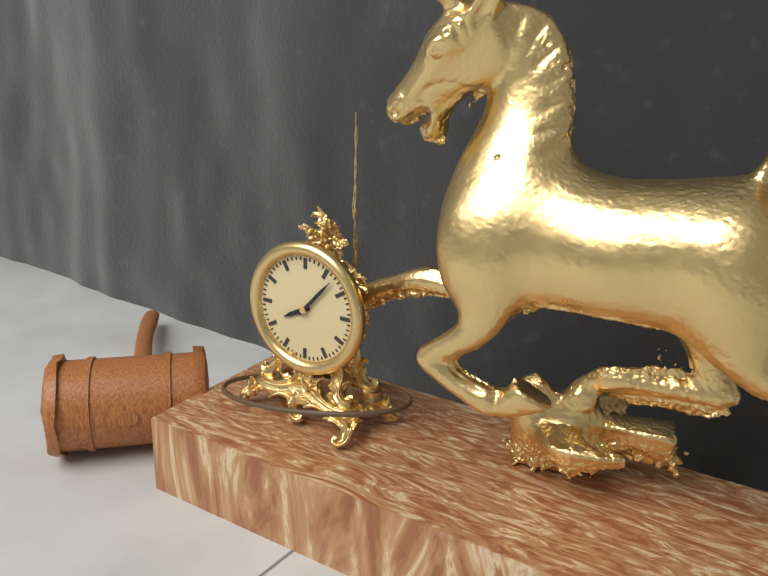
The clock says 8:07
